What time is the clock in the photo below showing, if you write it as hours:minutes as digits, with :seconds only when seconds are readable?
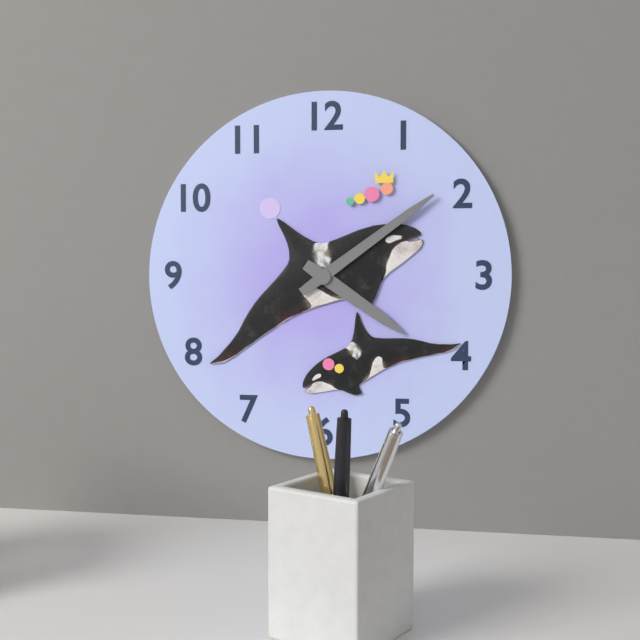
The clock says 4:09
